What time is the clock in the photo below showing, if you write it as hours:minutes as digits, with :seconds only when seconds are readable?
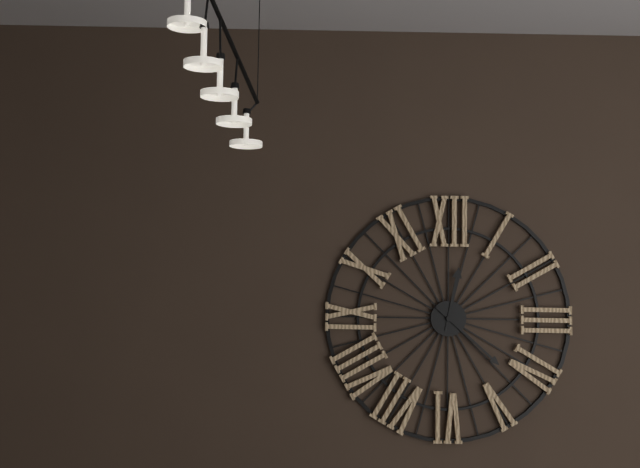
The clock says 12:22
